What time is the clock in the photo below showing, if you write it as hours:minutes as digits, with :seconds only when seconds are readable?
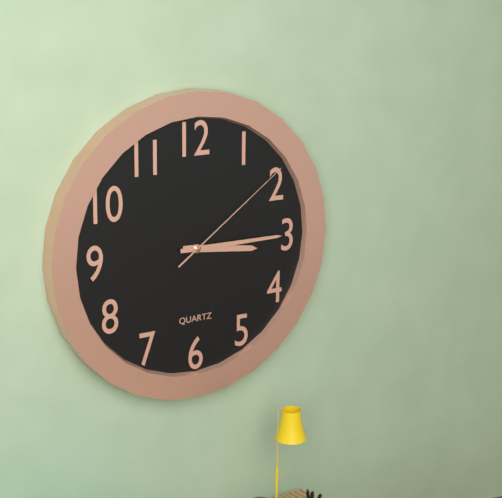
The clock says 3:15:09
